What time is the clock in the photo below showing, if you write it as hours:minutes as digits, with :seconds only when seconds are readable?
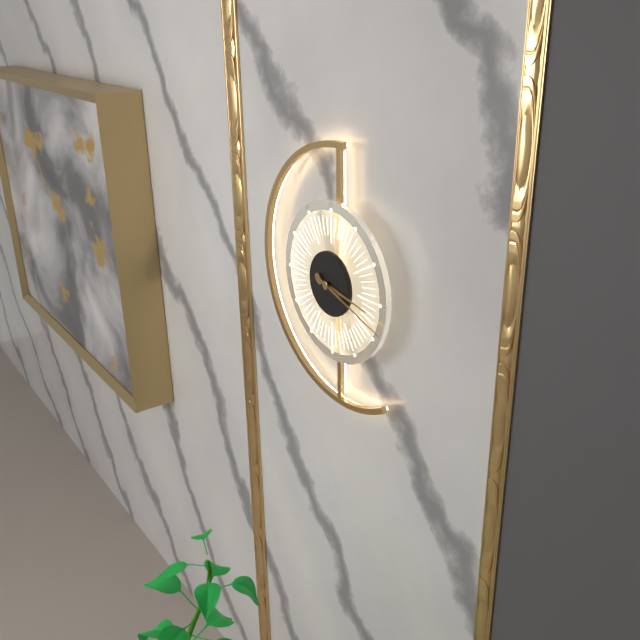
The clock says 3:18
